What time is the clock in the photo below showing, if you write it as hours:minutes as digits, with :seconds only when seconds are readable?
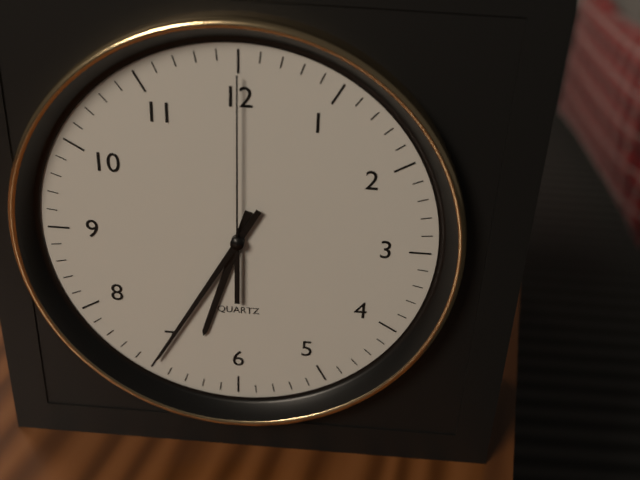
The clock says 6:35:00
